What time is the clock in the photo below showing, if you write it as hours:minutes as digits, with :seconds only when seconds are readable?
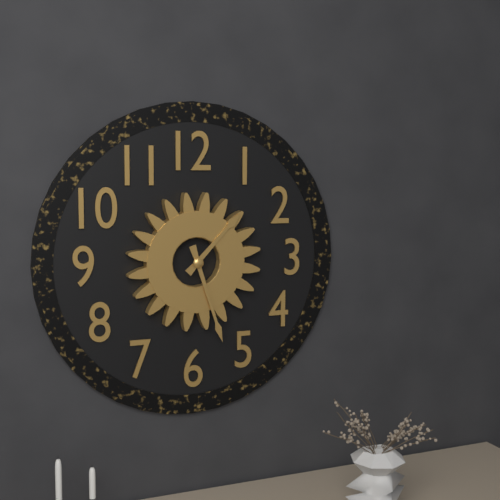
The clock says 1:27
